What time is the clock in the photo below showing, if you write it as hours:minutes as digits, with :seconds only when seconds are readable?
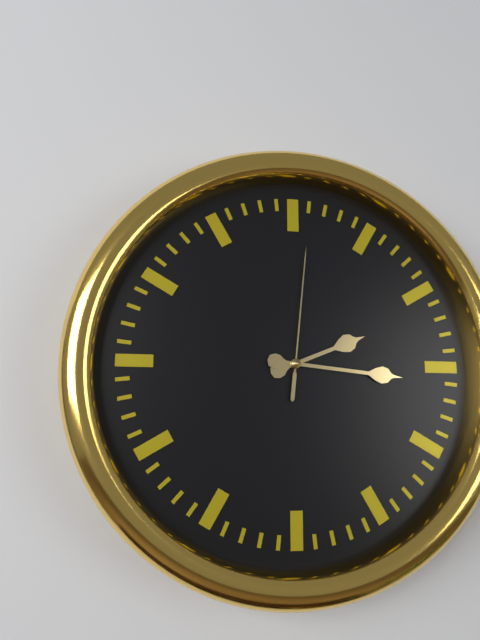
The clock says 2:16:01
